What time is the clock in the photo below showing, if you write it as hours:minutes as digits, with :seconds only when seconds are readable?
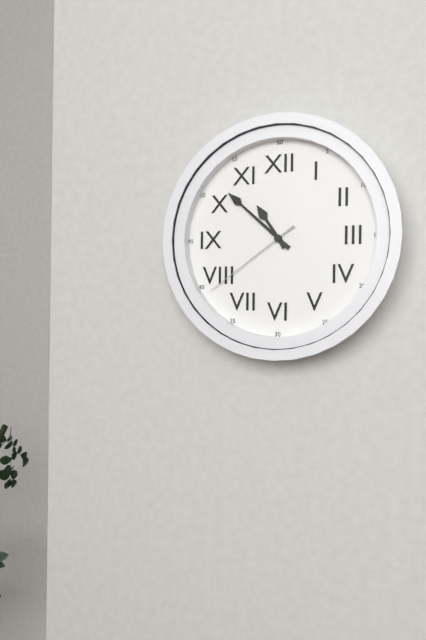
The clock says 10:52:39
